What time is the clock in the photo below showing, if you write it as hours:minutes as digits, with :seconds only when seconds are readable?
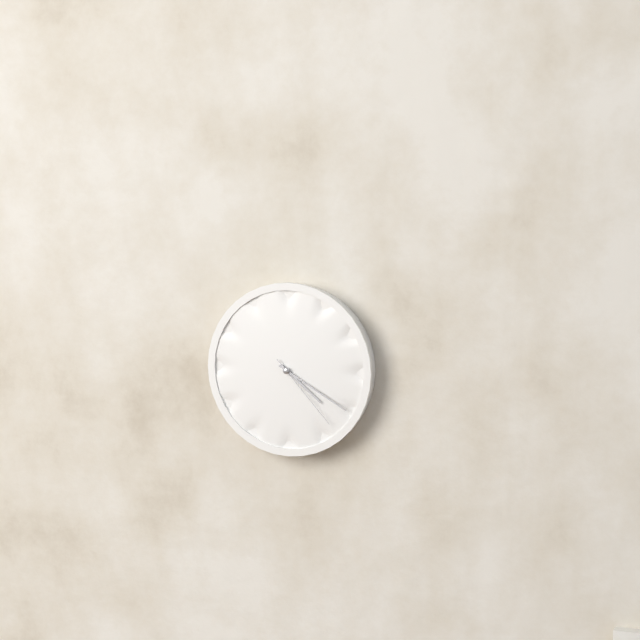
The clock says 4:20:23
